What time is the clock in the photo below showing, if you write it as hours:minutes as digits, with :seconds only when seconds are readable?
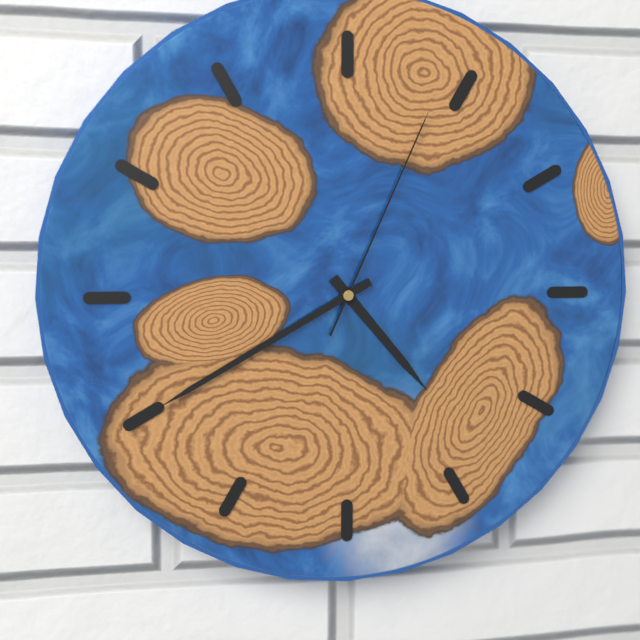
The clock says 4:40:04
